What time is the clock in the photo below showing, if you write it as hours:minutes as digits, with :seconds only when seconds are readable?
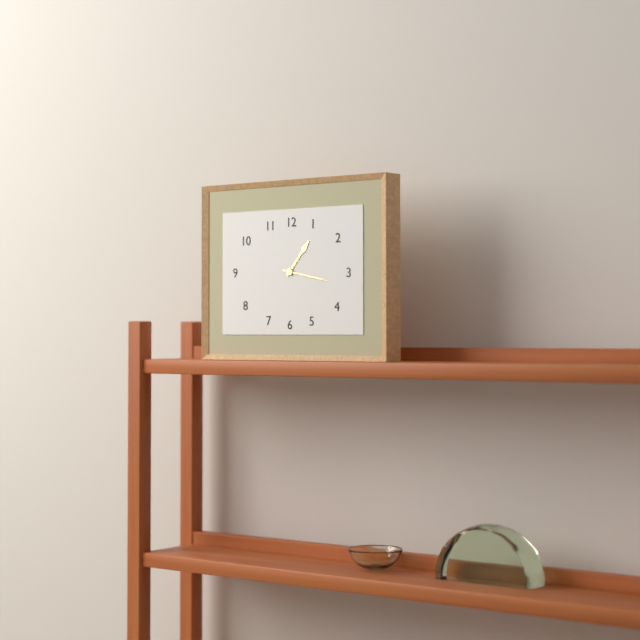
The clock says 1:17
